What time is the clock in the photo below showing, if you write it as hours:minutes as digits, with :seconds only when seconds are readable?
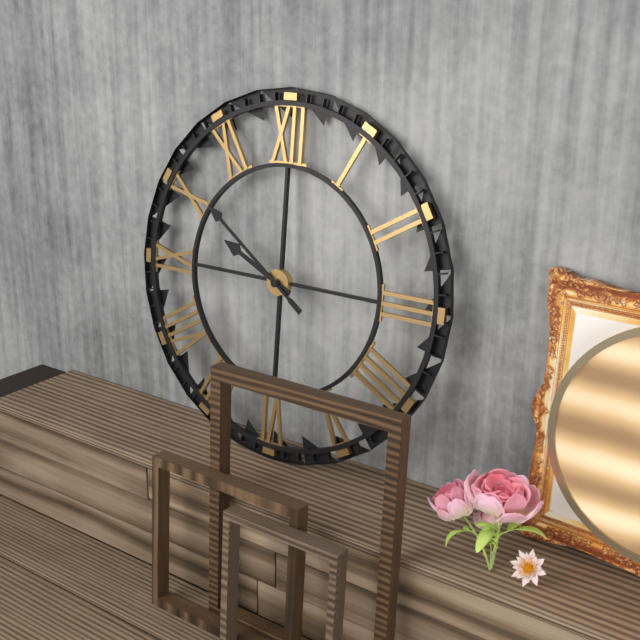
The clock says 9:51
